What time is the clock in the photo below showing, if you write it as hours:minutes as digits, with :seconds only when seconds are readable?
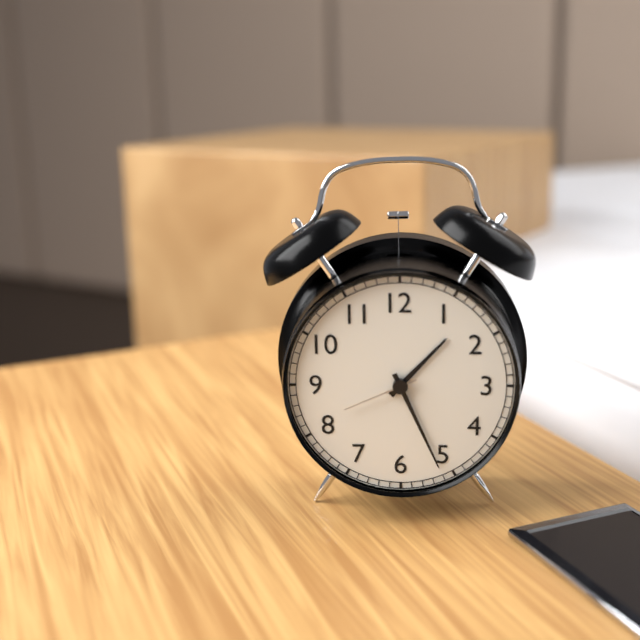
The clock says 1:26:41
